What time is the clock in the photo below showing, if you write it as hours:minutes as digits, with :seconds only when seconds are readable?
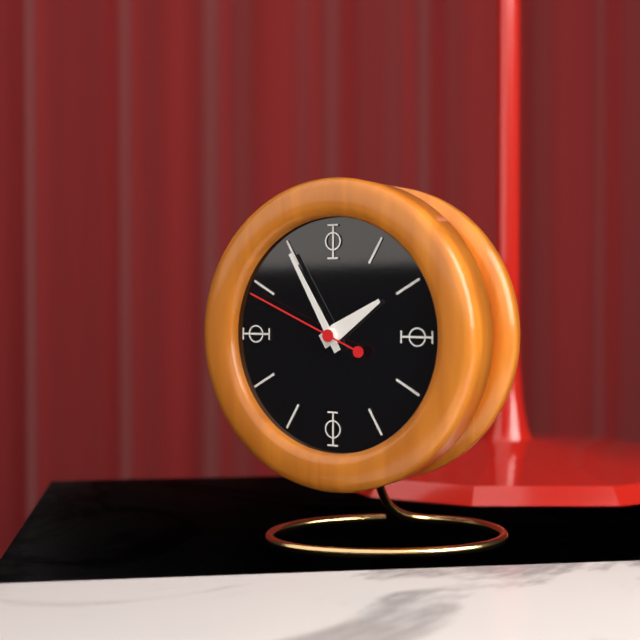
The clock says 1:55:49
